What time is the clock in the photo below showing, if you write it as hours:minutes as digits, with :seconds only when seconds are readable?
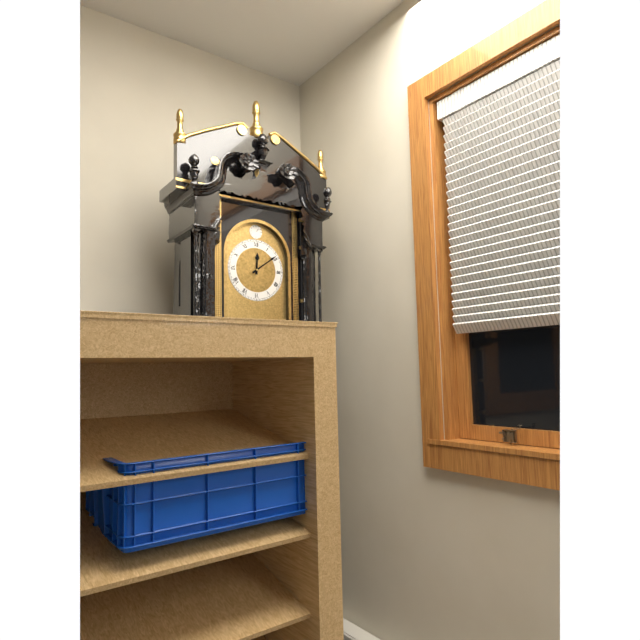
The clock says 12:09
